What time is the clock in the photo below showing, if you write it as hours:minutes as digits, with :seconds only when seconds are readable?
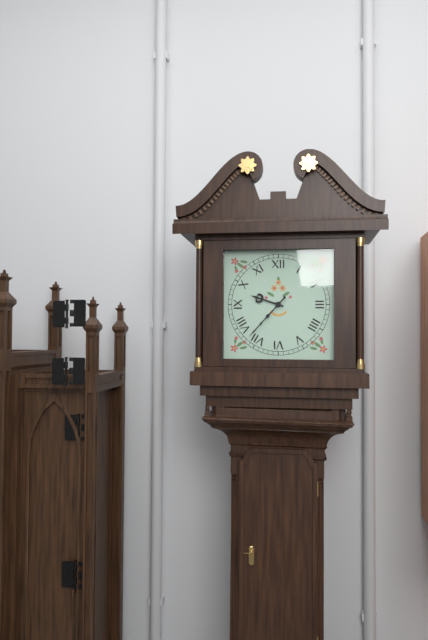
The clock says 9:37
